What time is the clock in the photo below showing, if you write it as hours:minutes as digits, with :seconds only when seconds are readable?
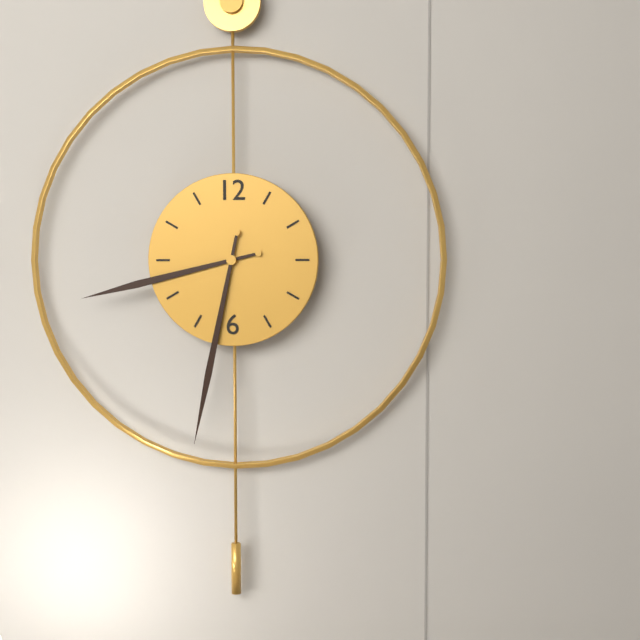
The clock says 8:32
